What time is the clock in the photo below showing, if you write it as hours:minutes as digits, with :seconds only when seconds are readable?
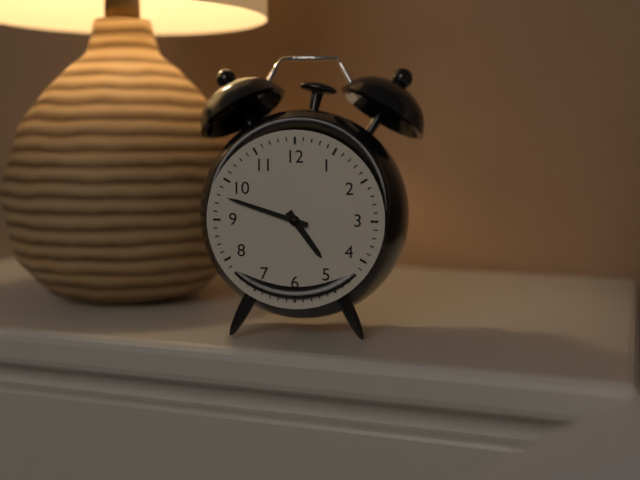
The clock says 4:48
